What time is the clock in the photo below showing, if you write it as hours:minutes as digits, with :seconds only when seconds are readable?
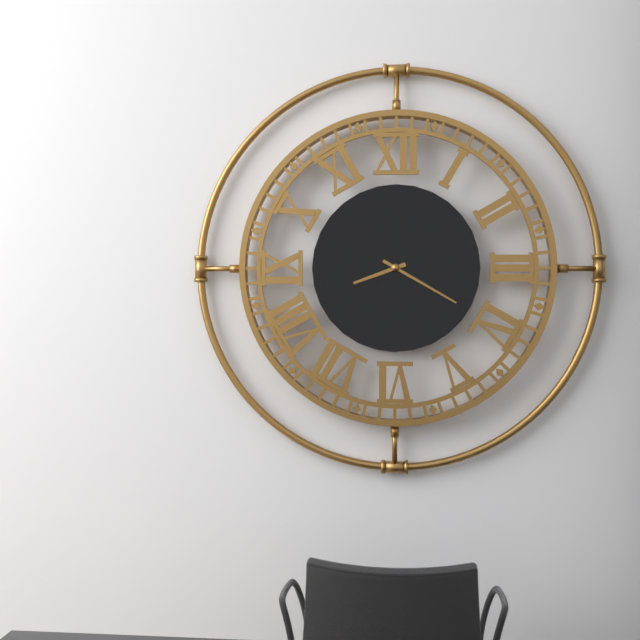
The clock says 8:20
